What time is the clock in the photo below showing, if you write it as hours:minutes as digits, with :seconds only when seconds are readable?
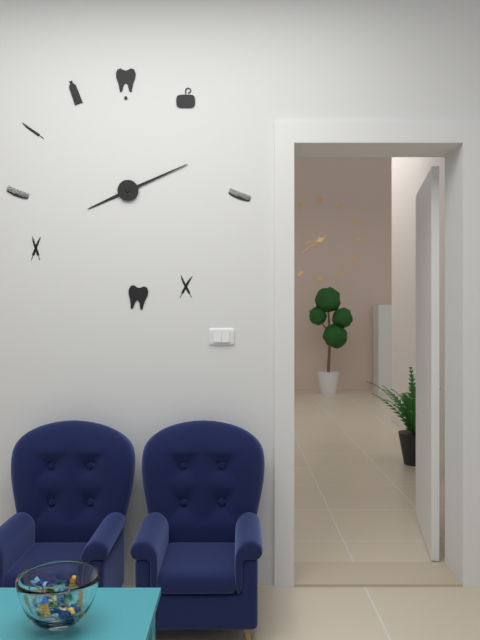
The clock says 8:11
